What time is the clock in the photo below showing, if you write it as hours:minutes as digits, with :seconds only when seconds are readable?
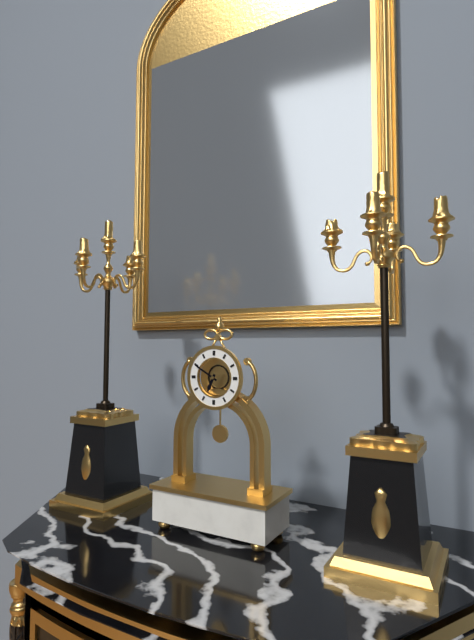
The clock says 6:50
